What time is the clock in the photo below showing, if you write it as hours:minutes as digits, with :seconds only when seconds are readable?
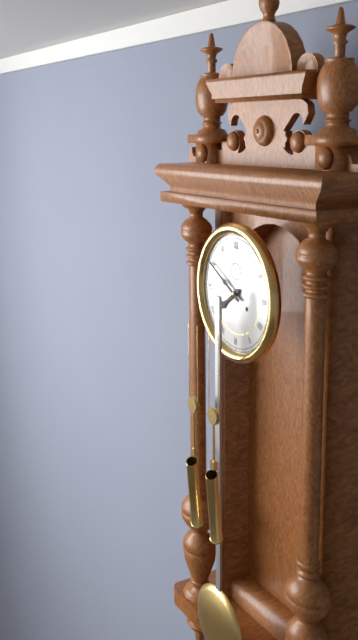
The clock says 7:50
